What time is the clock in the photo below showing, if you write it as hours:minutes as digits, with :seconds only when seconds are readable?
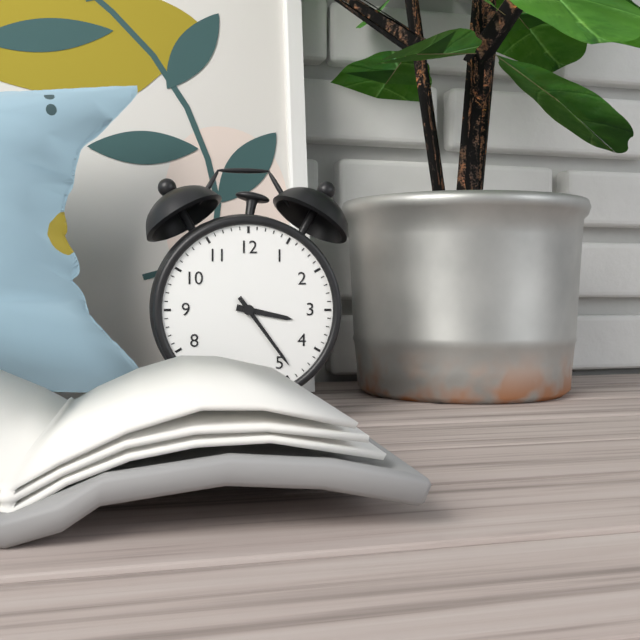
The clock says 3:24
